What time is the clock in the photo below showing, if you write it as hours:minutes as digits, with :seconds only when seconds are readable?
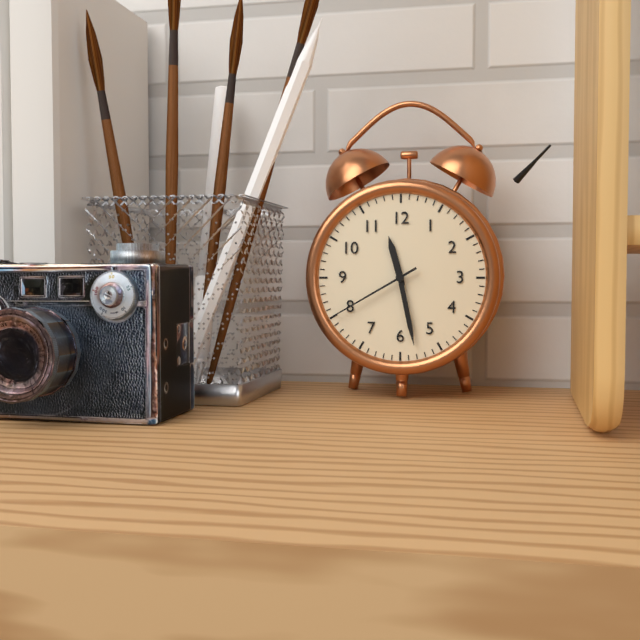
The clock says 11:28:40
